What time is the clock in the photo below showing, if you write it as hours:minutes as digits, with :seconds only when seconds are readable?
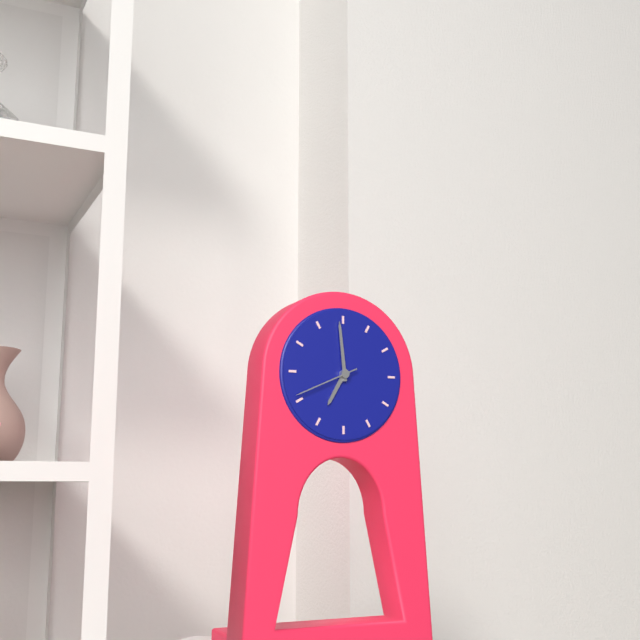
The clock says 6:59:41
